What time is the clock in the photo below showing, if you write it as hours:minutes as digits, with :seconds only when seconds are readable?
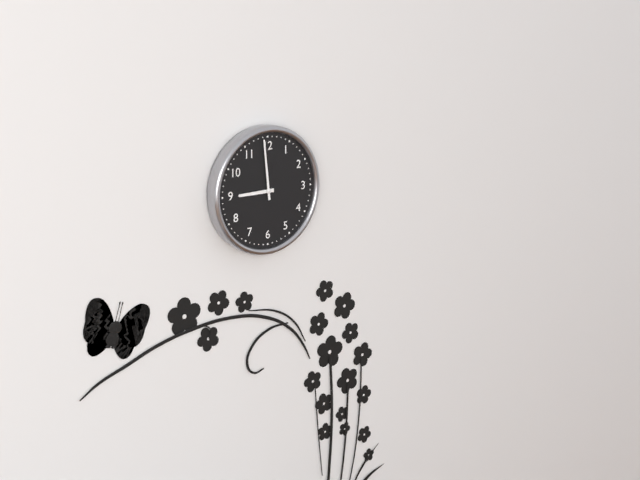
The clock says 8:59
